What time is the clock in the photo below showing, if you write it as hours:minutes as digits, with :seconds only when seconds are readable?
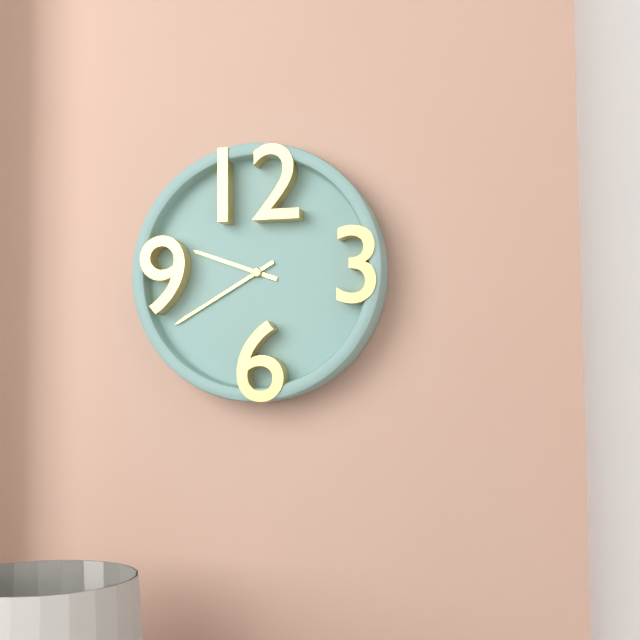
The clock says 9:40
